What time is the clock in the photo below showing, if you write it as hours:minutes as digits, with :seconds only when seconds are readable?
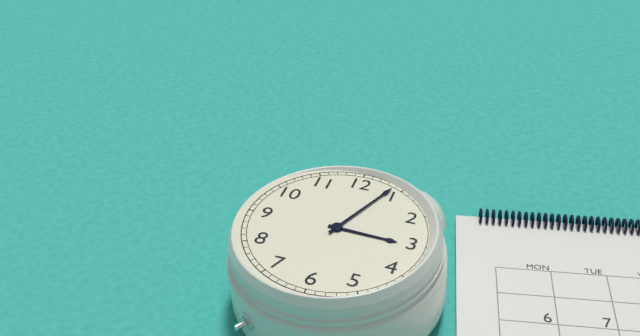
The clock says 3:04
